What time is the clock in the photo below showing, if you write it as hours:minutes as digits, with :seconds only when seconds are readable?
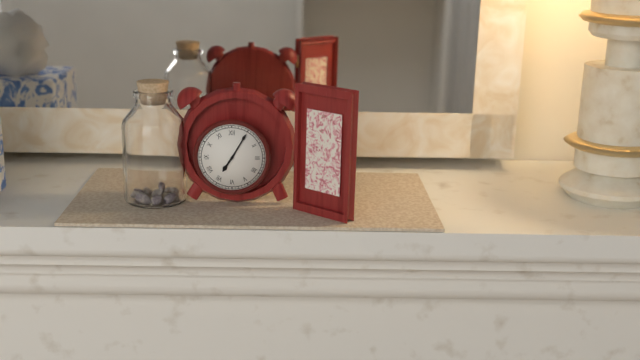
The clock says 7:05
